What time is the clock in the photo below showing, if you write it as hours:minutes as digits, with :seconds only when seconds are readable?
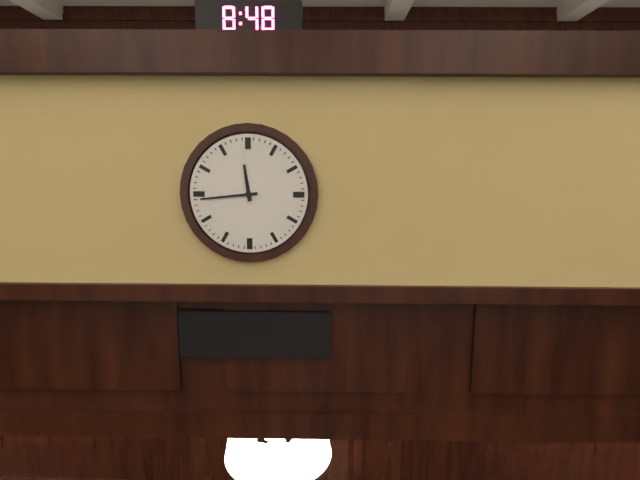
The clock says 11:44
